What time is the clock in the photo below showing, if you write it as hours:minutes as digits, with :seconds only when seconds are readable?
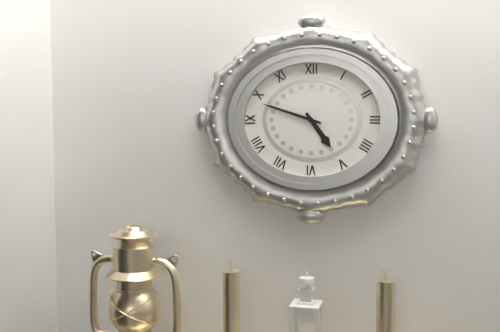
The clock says 4:48
